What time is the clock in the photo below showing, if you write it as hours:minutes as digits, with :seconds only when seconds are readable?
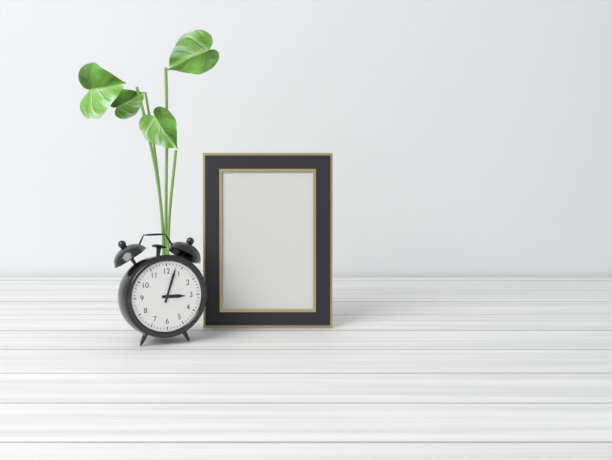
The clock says 3:03
